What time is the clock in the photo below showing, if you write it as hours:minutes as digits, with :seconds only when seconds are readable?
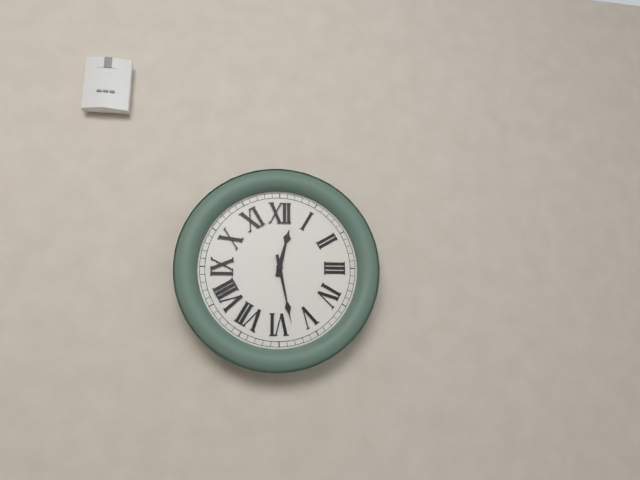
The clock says 12:28
